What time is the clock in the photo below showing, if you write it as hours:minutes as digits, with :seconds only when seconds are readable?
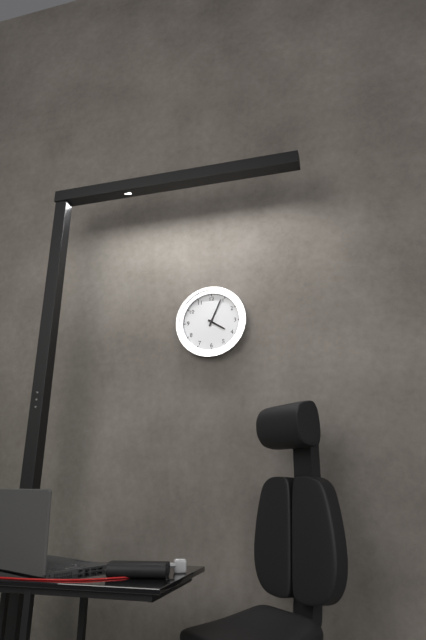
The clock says 4:04
